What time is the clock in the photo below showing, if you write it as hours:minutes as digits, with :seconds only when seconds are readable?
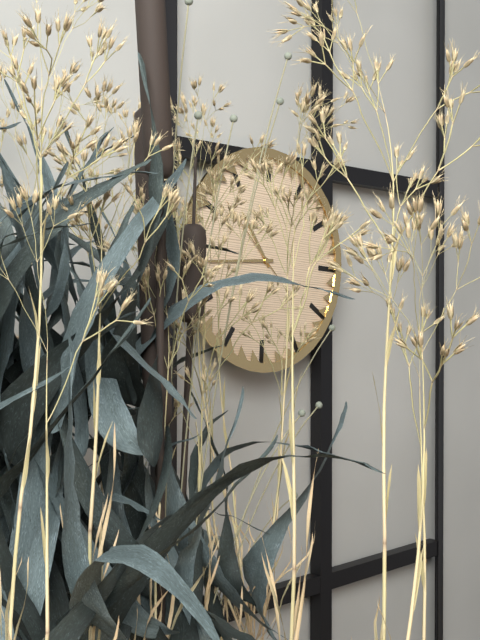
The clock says 10:44:52
